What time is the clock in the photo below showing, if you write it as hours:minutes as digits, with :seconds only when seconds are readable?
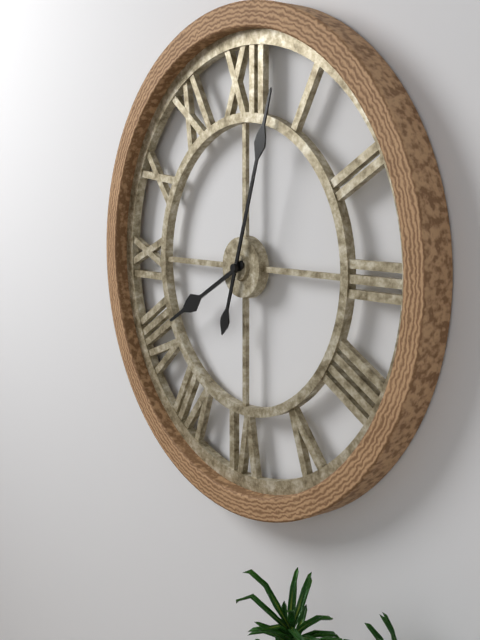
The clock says 8:03
